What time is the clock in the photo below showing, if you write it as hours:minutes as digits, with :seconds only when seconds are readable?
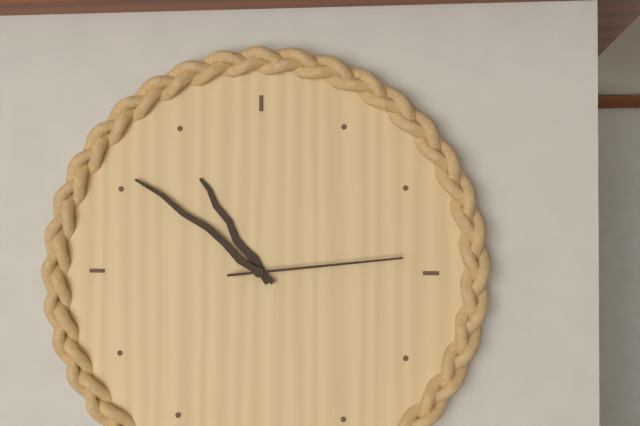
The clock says 10:51:14
